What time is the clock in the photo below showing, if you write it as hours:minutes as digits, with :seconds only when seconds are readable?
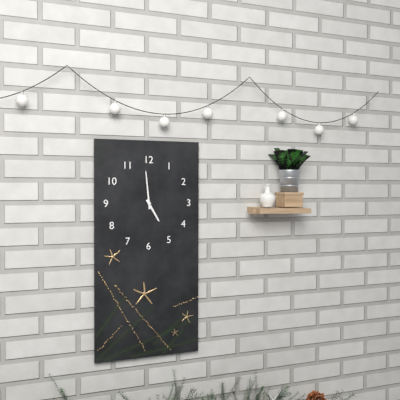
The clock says 4:59
